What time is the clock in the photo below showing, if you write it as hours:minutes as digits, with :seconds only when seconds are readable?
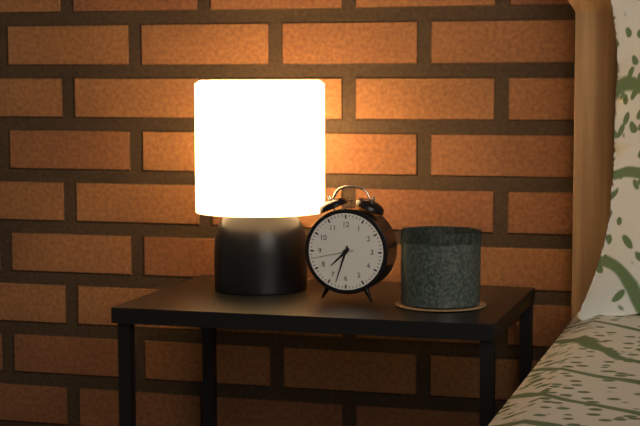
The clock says 7:33
